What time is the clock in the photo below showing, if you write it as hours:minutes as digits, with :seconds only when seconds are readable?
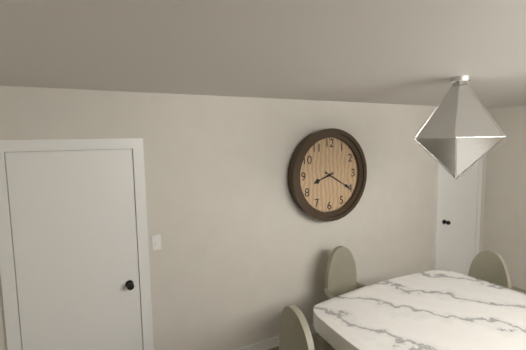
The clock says 8:20
